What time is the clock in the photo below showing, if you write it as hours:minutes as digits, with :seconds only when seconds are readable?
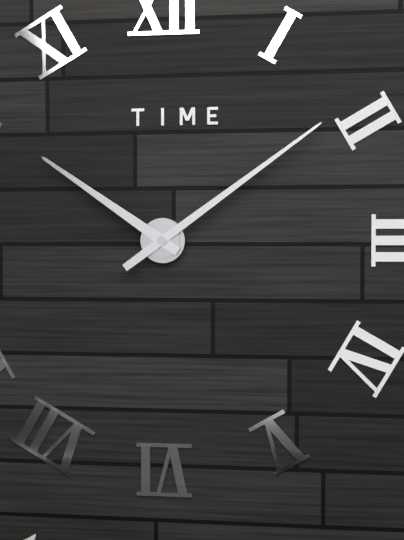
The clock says 10:09
